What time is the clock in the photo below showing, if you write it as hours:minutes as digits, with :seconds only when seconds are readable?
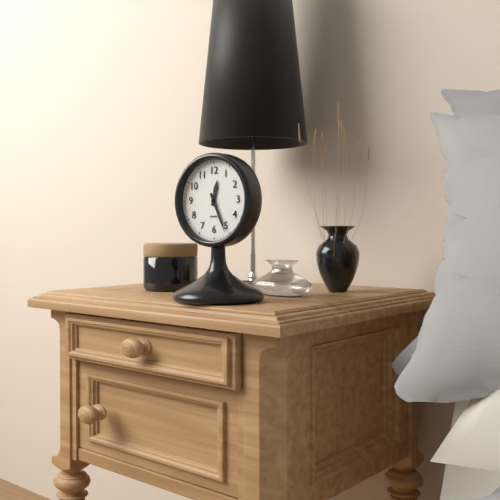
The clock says 12:26
